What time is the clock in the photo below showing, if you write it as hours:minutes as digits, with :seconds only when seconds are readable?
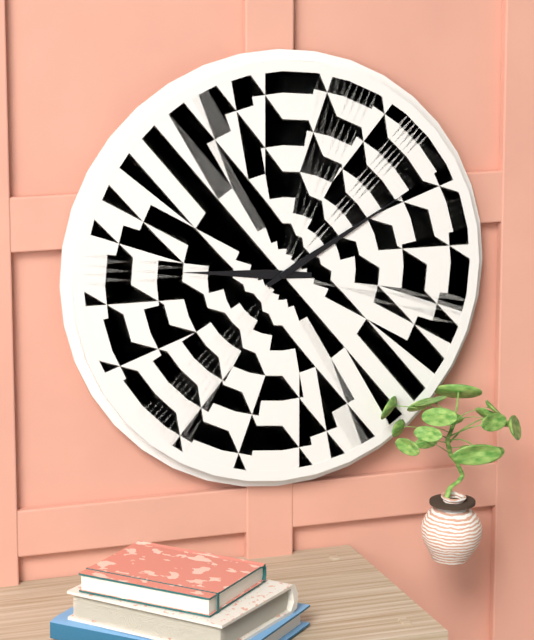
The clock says 9:10
